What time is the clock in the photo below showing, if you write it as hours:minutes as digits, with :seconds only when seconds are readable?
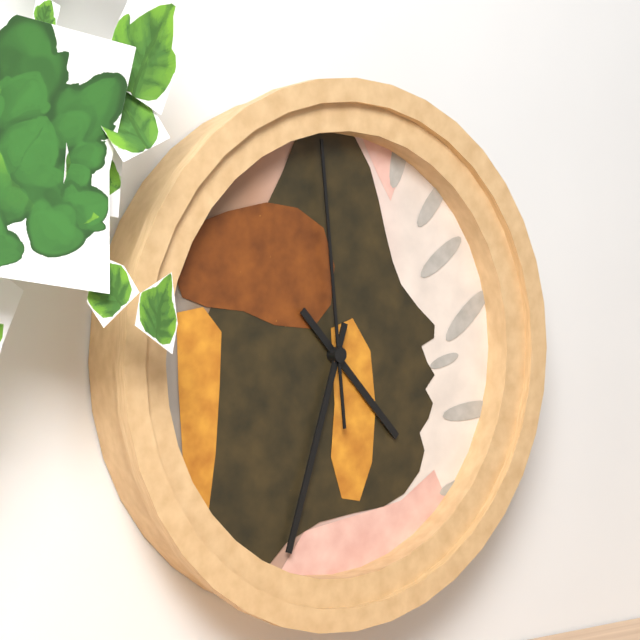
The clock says 4:33:59
